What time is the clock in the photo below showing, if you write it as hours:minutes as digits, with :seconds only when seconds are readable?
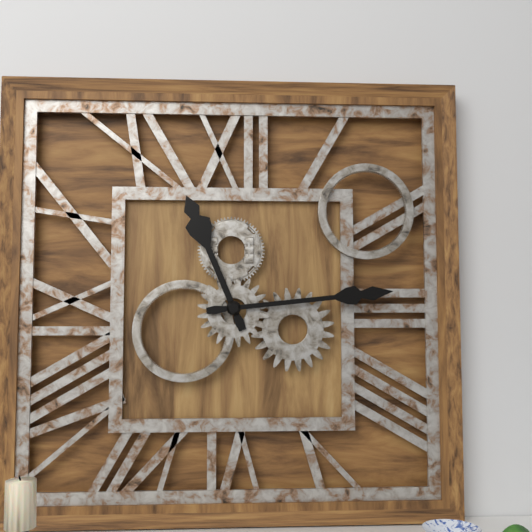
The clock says 11:14
